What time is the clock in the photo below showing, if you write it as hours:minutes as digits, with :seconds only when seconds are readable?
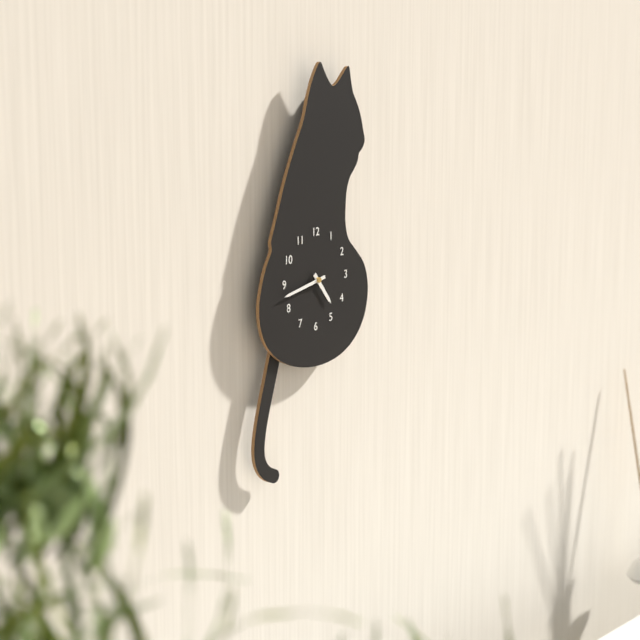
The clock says 4:43
